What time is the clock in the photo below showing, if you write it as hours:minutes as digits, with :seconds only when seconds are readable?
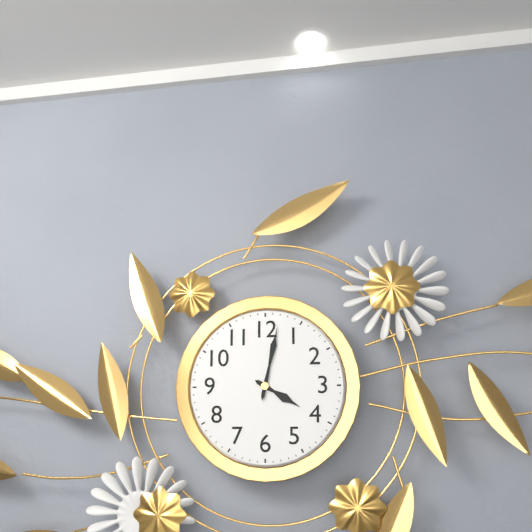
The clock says 4:02
